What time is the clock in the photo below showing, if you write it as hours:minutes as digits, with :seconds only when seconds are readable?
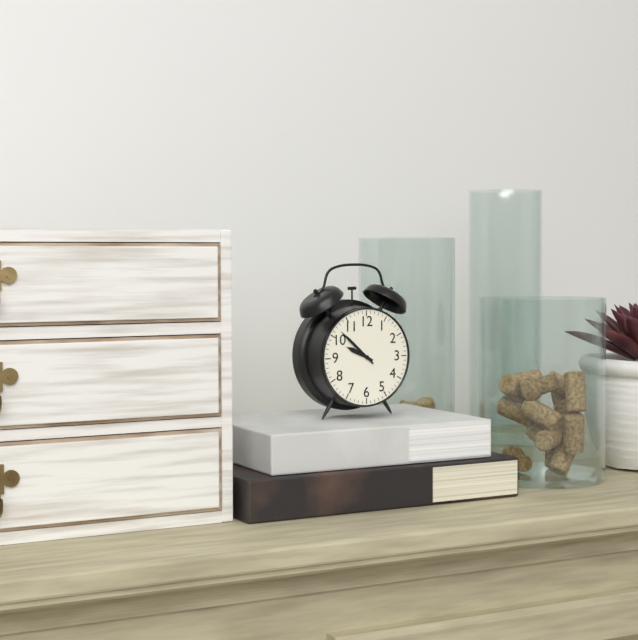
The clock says 9:52
